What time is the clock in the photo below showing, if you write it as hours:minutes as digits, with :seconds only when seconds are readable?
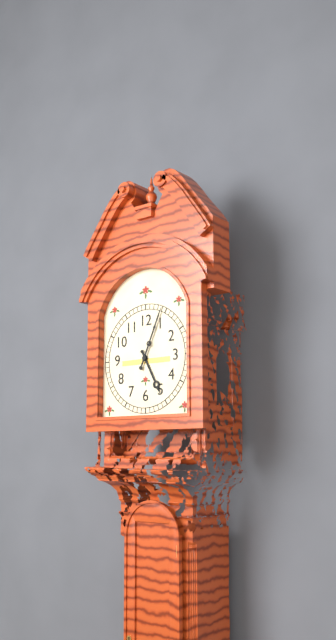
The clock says 5:04
